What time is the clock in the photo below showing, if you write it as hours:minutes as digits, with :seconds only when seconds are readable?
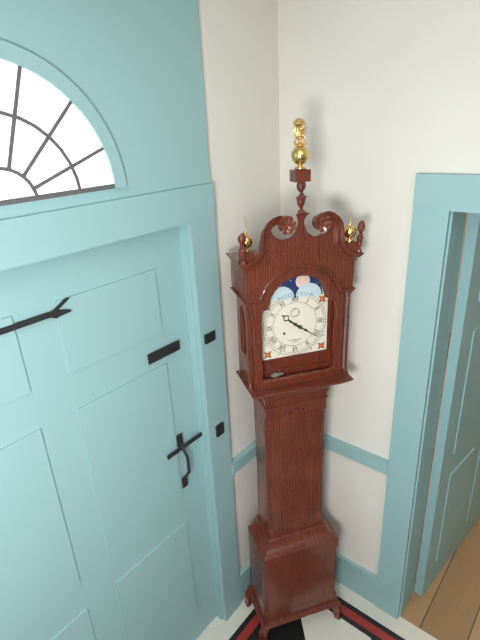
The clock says 10:21
